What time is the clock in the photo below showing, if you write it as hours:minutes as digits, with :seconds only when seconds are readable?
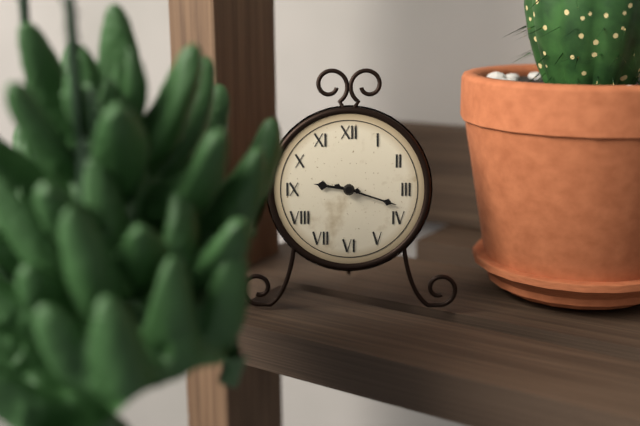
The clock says 9:18
